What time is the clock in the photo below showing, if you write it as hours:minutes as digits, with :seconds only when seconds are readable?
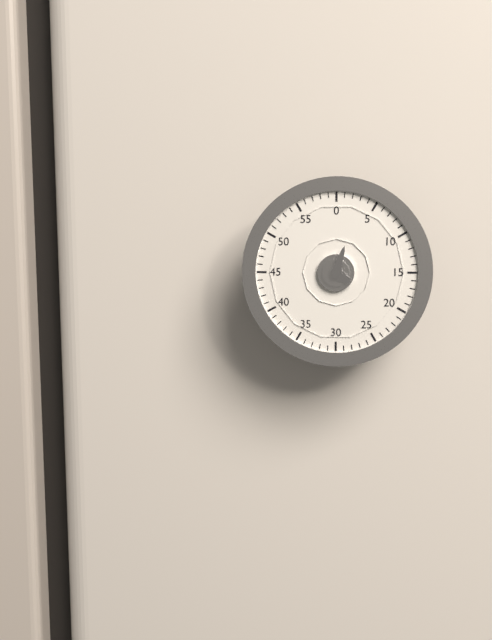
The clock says 4:03
